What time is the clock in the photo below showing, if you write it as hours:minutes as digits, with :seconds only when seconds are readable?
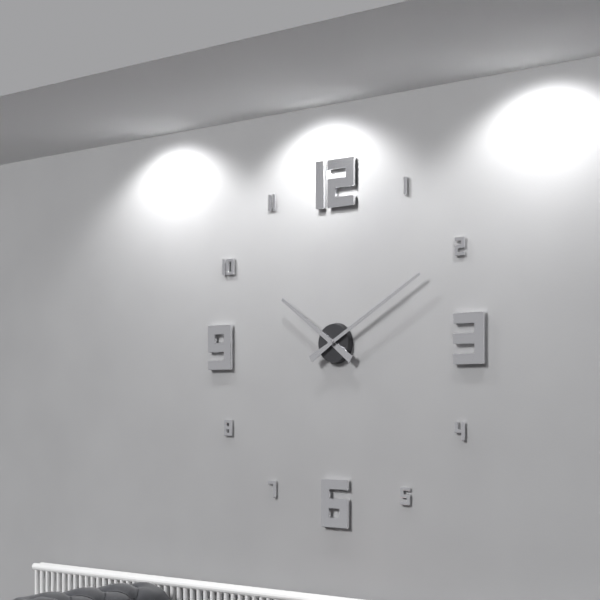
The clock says 10:10
